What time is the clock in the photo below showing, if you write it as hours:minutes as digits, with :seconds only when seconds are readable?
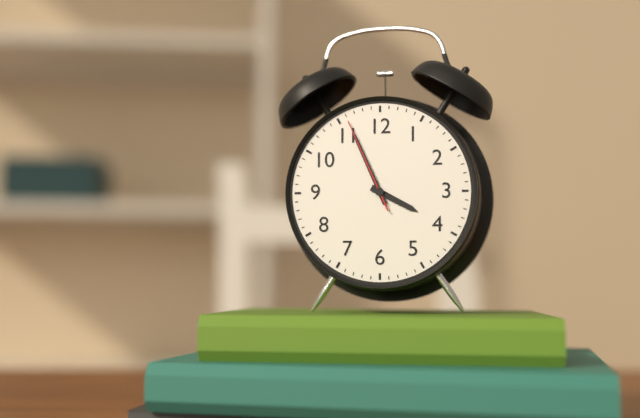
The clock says 3:56:56
